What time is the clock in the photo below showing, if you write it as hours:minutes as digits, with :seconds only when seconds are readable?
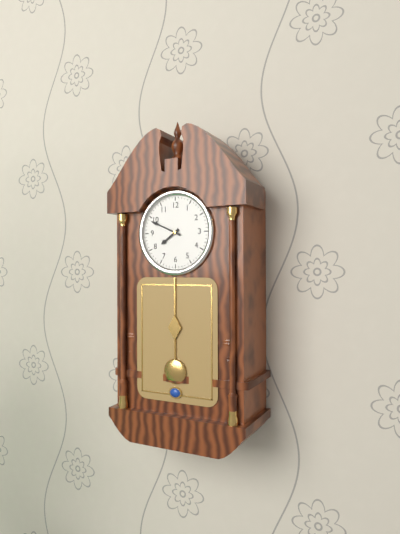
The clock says 7:49
